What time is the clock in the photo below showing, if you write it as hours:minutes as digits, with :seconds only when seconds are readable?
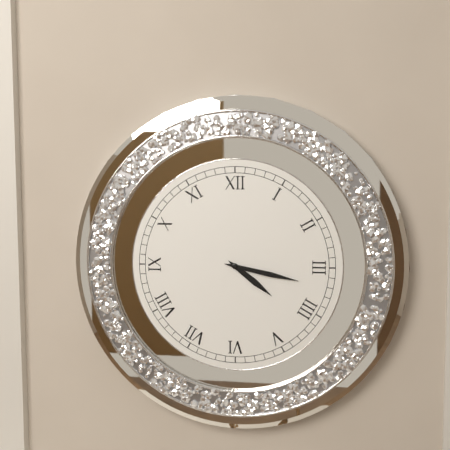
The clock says 4:17
